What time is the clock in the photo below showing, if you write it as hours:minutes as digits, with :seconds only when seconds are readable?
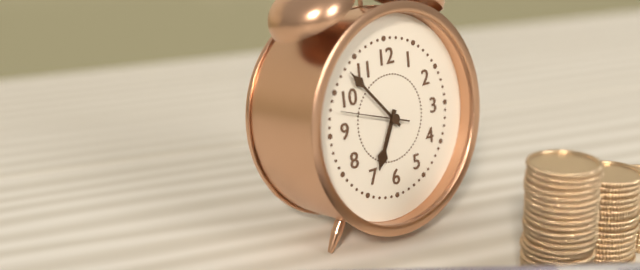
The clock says 6:53:48
